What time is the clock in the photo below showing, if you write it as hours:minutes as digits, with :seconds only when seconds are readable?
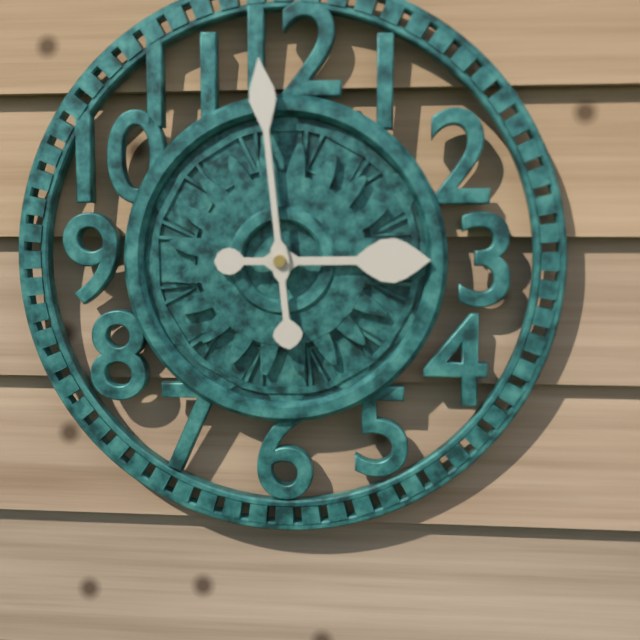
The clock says 2:59
